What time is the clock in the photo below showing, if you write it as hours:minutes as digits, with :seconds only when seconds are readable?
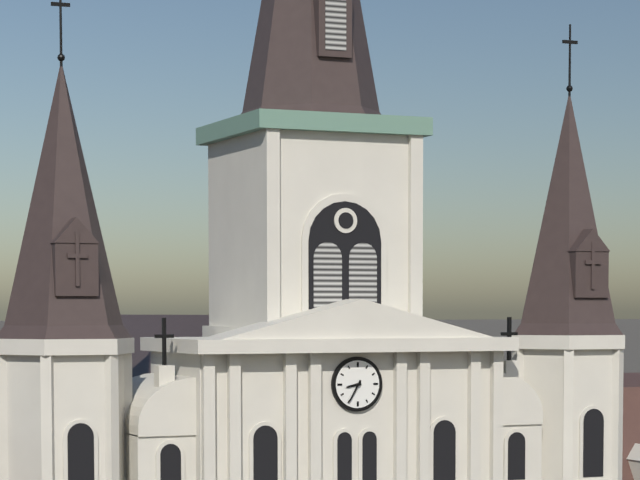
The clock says 8:35
